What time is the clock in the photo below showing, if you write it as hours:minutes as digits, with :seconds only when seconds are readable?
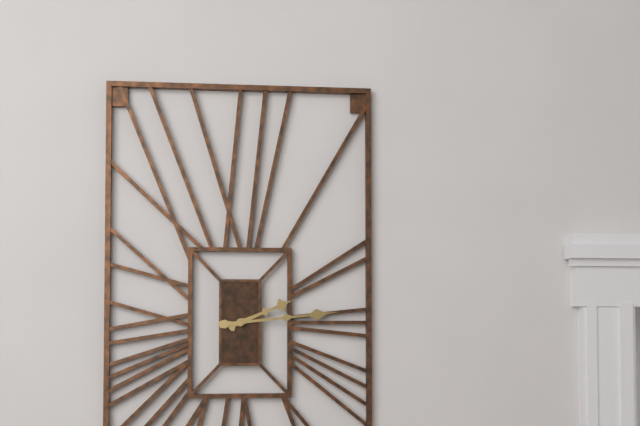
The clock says 2:14
